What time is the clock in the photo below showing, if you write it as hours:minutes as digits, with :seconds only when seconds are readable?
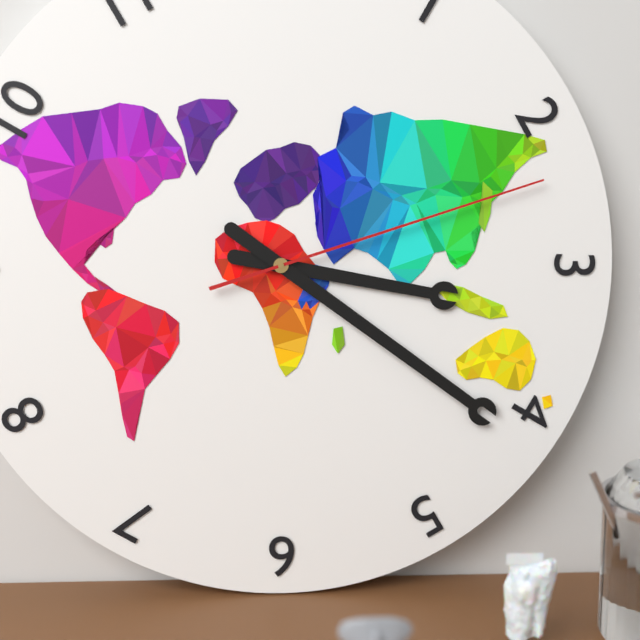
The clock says 3:21:12
